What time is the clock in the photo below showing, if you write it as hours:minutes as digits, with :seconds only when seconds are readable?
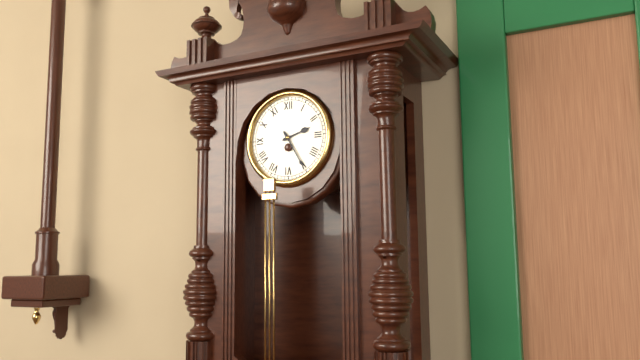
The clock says 2:25
